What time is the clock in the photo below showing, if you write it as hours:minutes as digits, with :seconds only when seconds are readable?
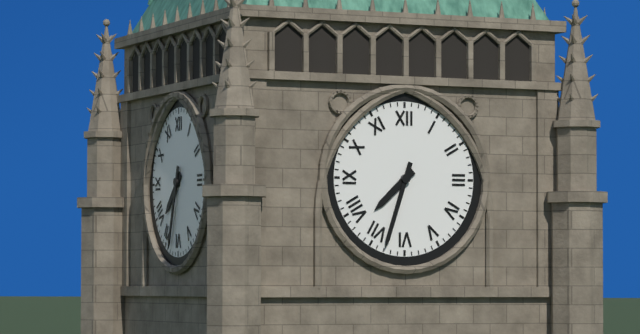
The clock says 7:33
